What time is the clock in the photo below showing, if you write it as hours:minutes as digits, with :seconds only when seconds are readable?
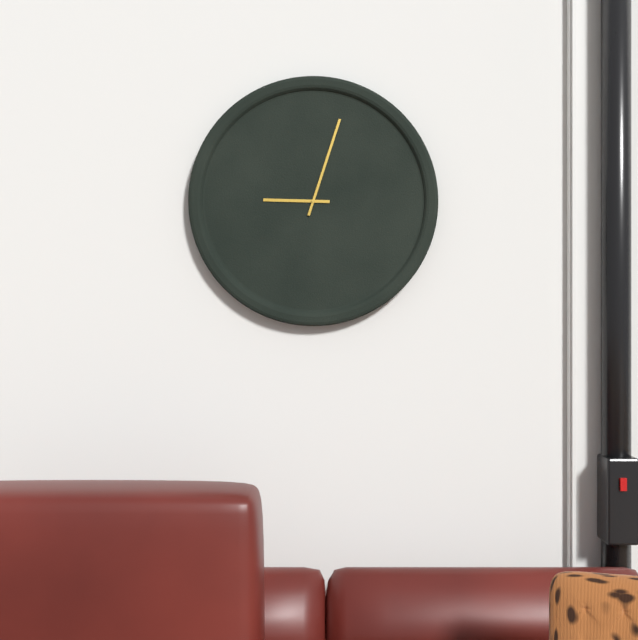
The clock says 9:03
